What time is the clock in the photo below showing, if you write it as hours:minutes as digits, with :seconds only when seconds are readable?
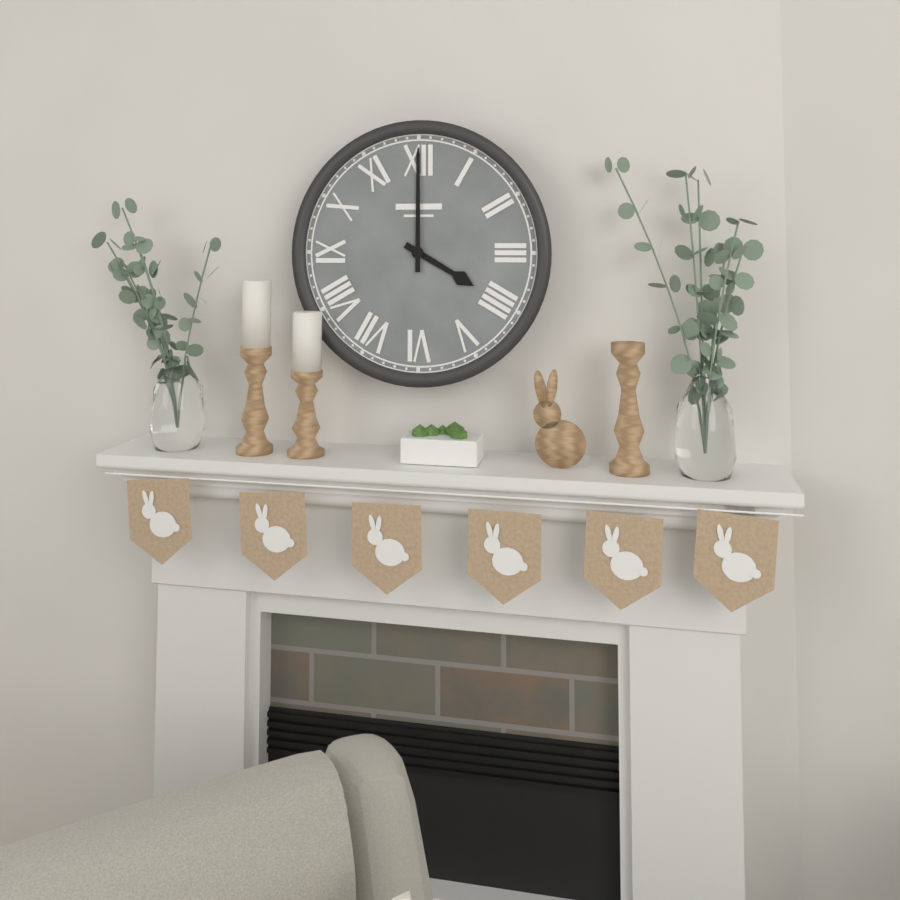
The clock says 4:00
